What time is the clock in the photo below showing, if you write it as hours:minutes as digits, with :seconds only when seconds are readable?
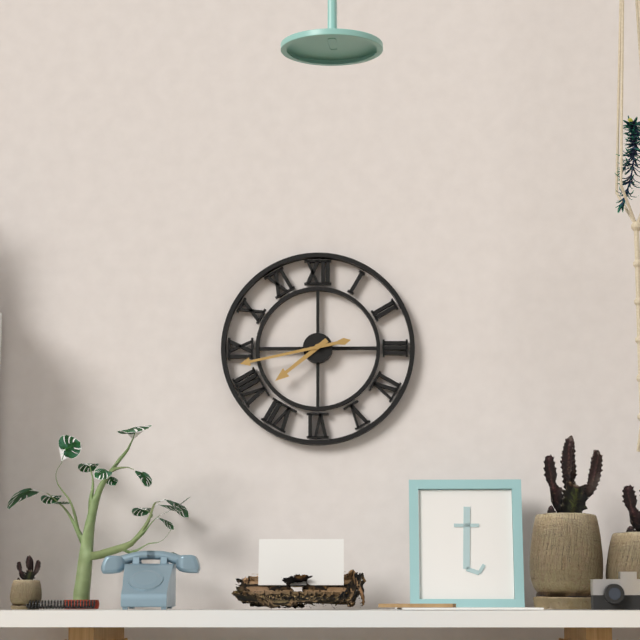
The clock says 7:43
